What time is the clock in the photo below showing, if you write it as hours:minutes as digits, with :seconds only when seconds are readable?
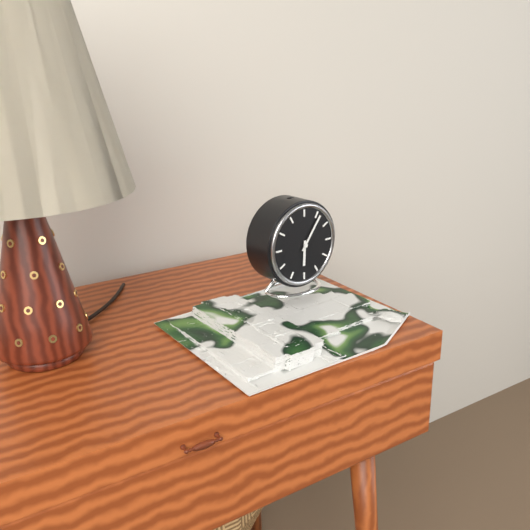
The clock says 6:06
